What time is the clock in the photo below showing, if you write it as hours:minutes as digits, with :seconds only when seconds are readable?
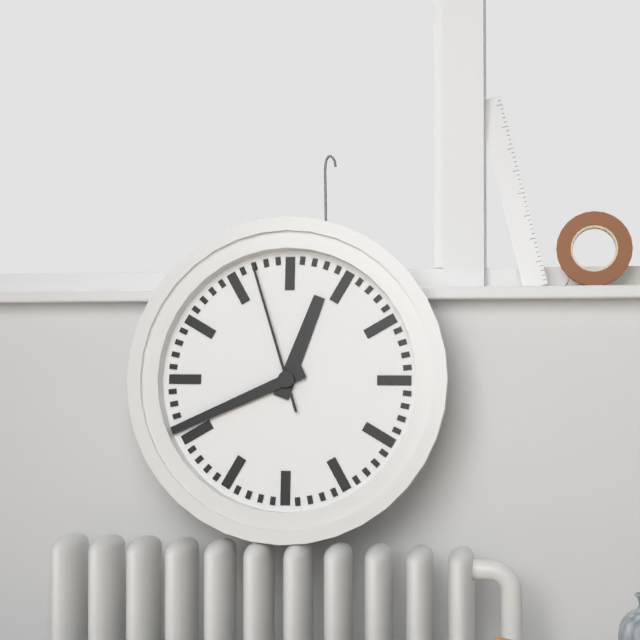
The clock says 12:41:57
